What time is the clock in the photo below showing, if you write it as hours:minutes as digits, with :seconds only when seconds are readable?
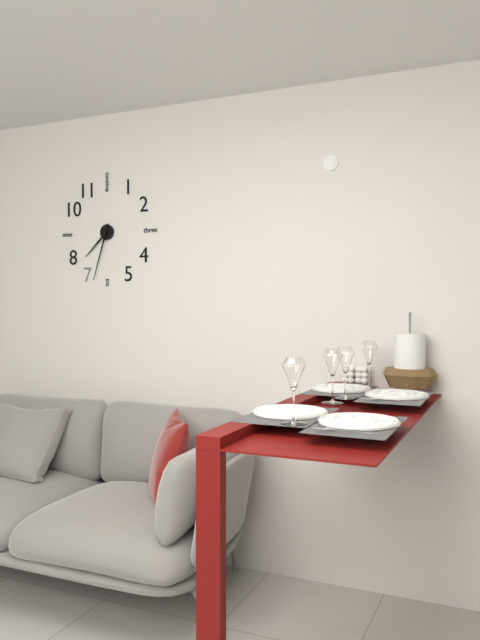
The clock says 7:33
